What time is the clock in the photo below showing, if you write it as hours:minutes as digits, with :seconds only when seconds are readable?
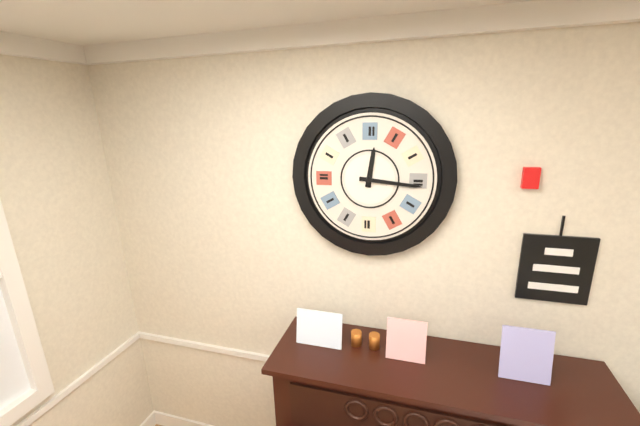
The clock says 12:16
